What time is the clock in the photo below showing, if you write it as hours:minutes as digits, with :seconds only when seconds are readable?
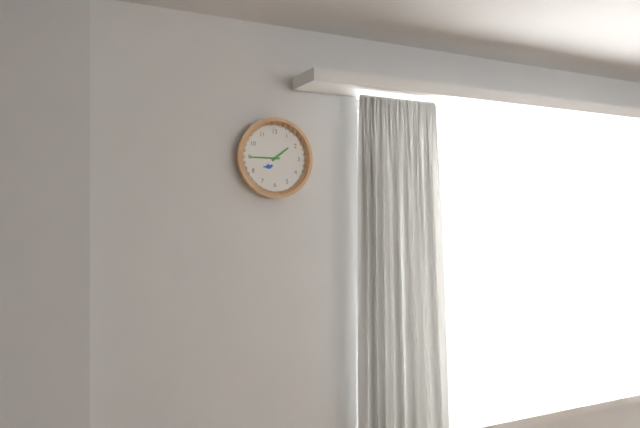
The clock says 1:45
